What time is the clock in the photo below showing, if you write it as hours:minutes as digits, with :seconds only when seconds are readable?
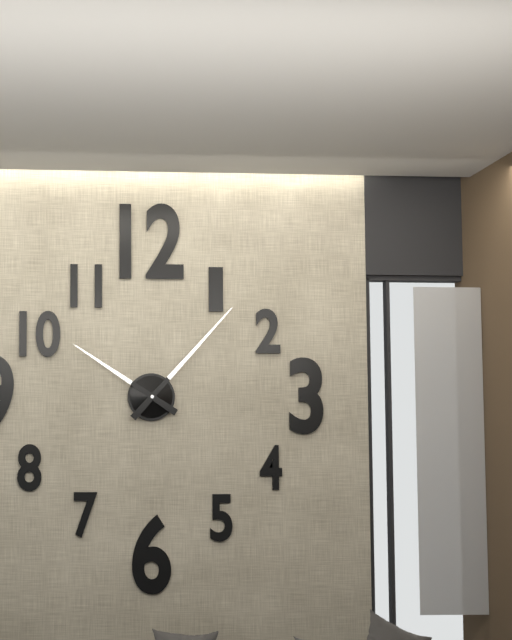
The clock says 10:07
